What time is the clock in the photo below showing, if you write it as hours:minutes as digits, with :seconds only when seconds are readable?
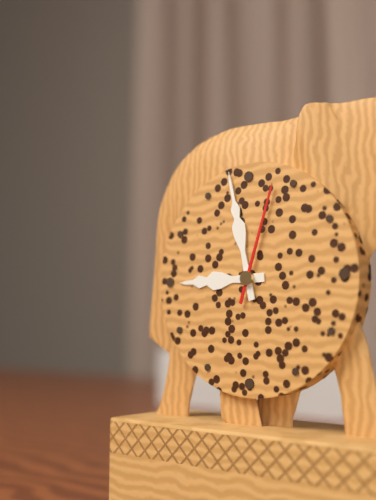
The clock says 8:58:03
